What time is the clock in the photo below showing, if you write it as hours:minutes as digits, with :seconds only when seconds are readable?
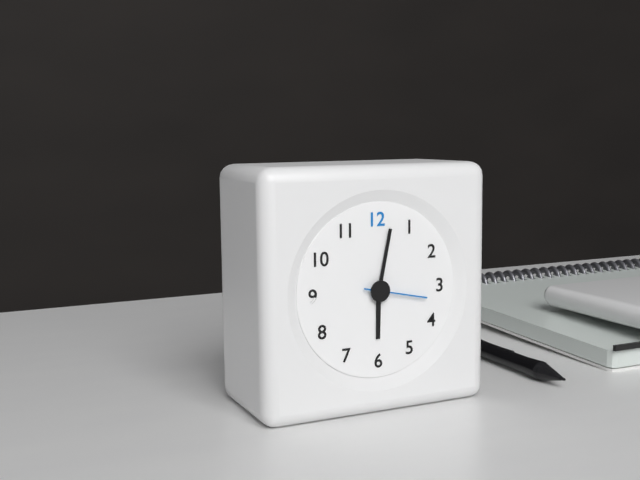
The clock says 6:02:17
